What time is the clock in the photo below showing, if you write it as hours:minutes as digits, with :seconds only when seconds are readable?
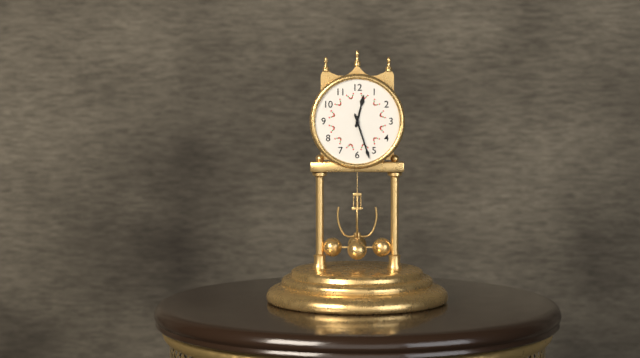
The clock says 12:27
